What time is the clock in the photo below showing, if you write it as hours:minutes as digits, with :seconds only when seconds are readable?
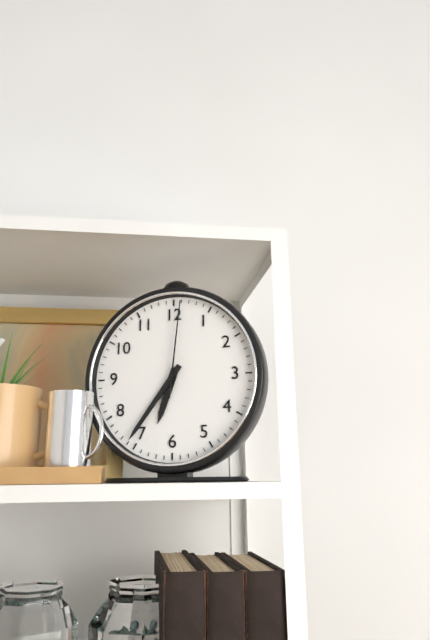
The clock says 6:36:01
